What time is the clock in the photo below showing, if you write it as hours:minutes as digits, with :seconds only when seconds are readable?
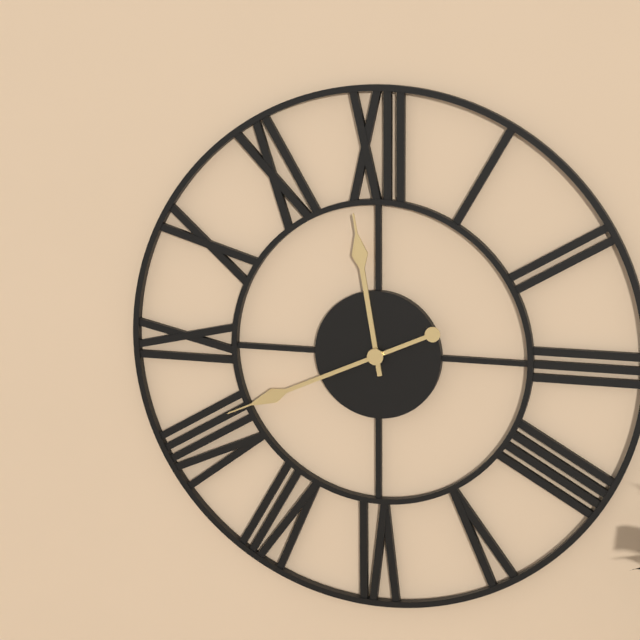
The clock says 11:41
